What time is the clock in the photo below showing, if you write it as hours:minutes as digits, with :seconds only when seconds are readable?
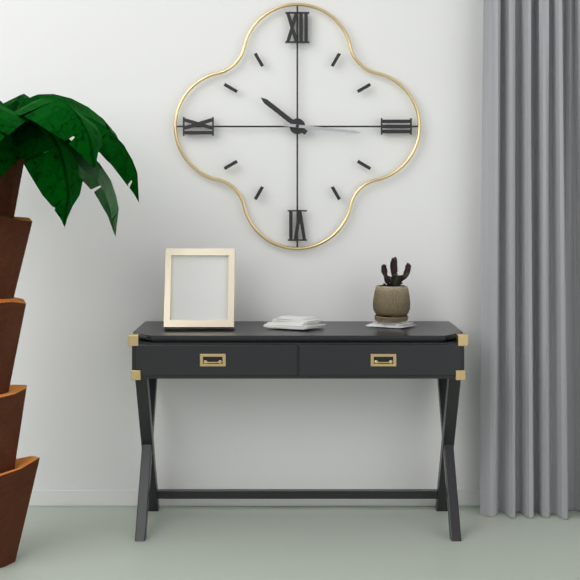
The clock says 10:16
